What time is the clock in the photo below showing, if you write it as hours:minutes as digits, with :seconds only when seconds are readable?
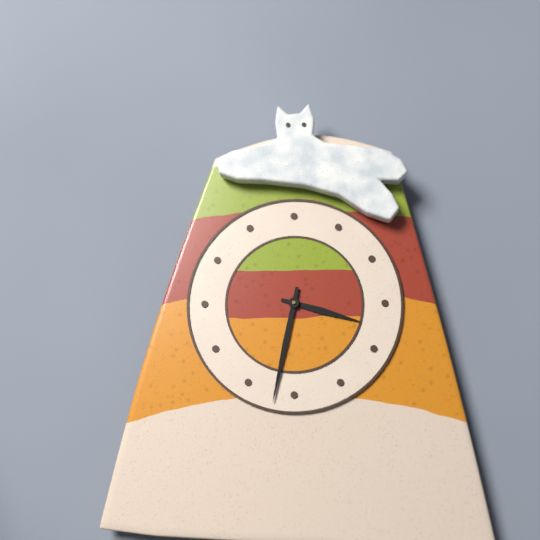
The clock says 3:32
